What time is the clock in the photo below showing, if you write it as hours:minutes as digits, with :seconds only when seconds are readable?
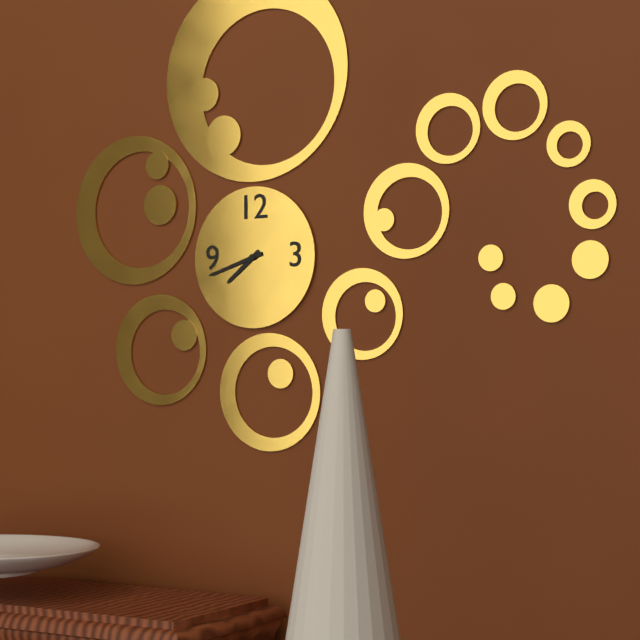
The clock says 7:42
